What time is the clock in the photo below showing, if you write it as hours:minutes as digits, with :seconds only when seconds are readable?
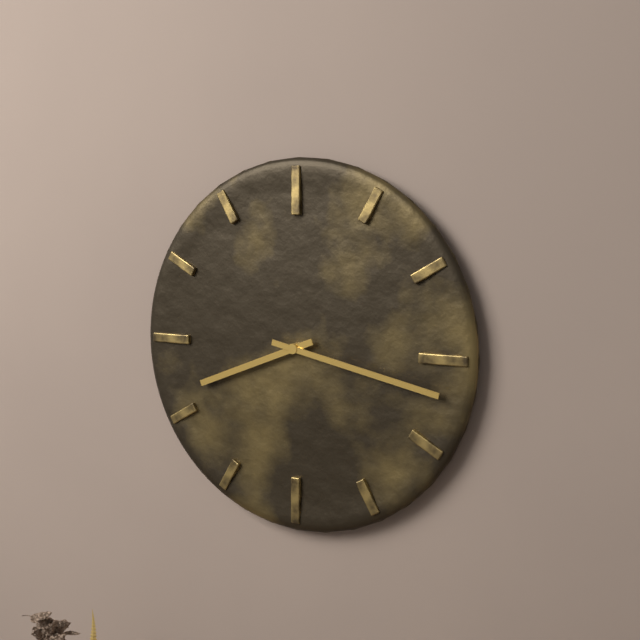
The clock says 8:17
